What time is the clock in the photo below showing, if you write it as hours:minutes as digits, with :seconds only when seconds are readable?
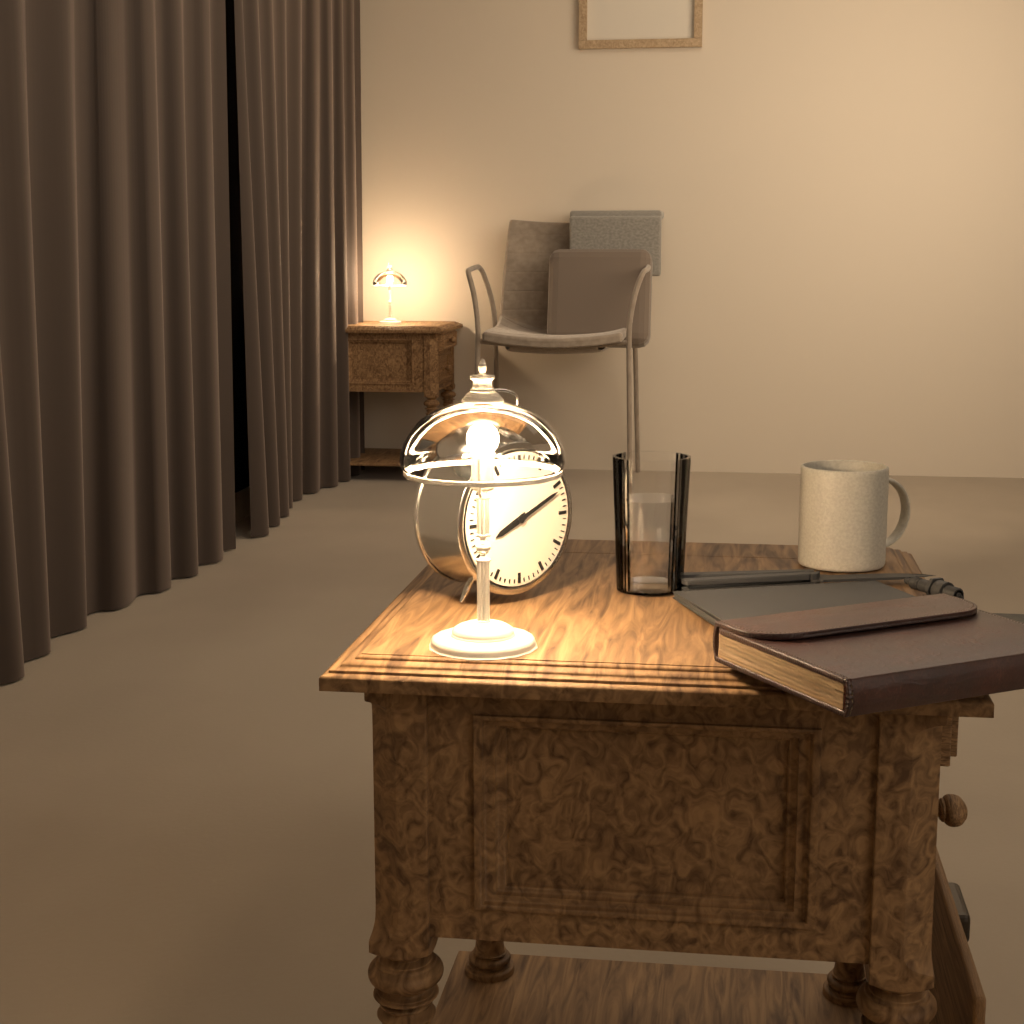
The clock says 8:11
